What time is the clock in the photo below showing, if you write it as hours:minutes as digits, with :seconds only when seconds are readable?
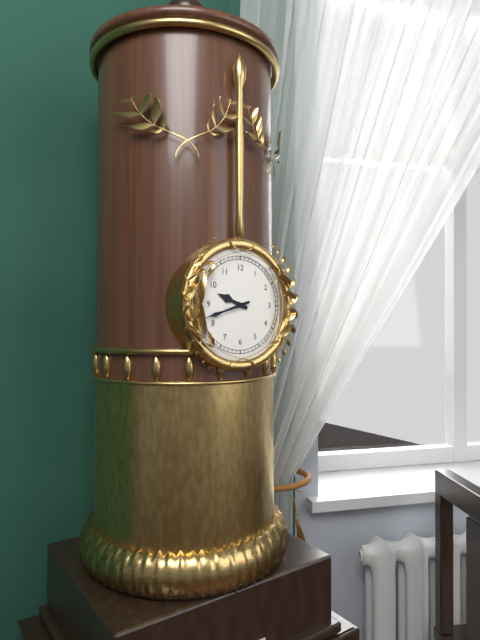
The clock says 9:42
